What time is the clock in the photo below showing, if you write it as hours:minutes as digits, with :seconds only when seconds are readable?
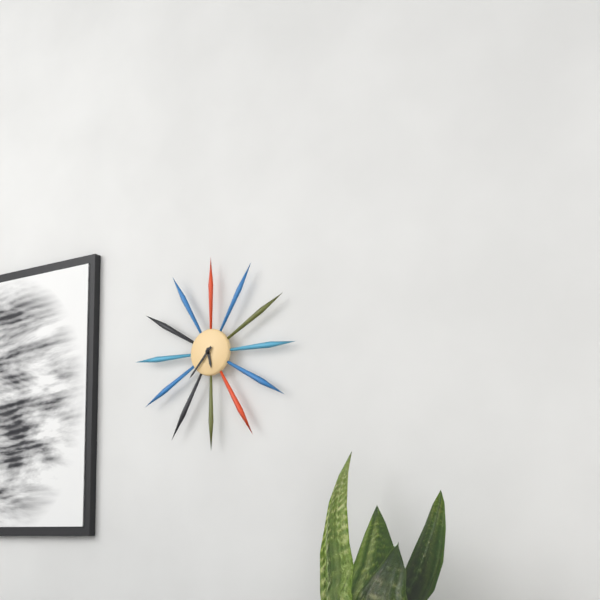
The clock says 5:37
